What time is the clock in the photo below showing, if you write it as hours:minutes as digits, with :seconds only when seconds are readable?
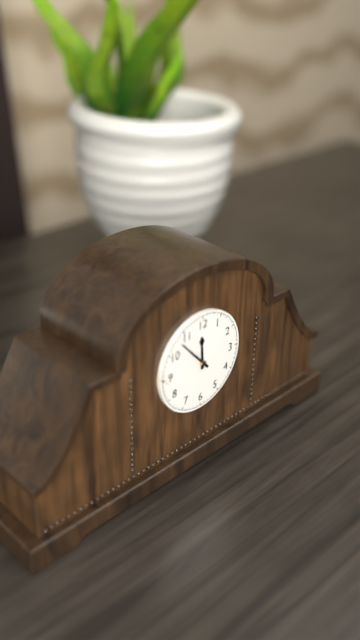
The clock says 11:53
